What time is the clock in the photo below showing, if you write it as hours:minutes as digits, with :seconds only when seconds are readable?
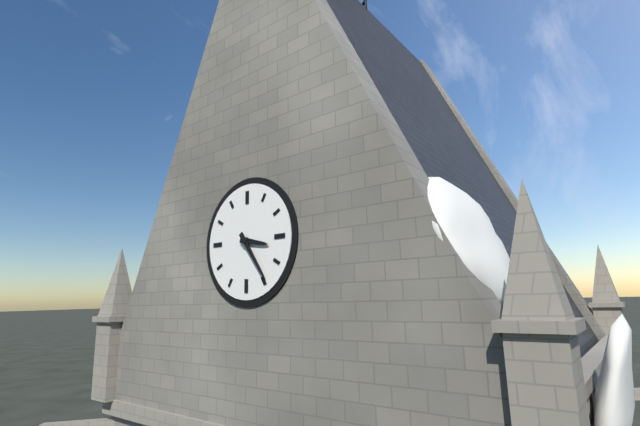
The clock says 3:24
